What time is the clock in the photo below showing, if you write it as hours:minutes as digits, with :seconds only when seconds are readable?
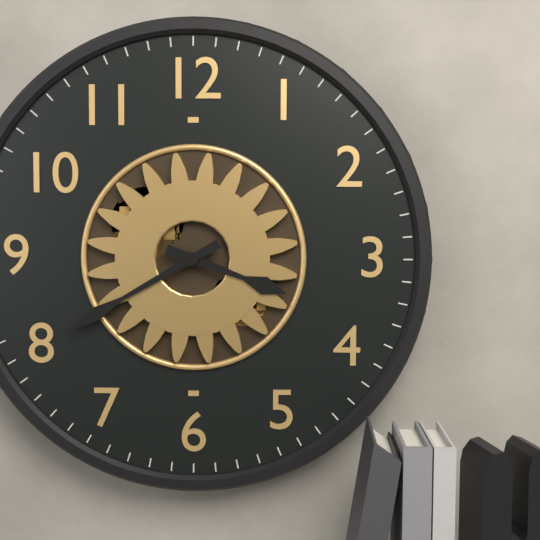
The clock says 3:40
